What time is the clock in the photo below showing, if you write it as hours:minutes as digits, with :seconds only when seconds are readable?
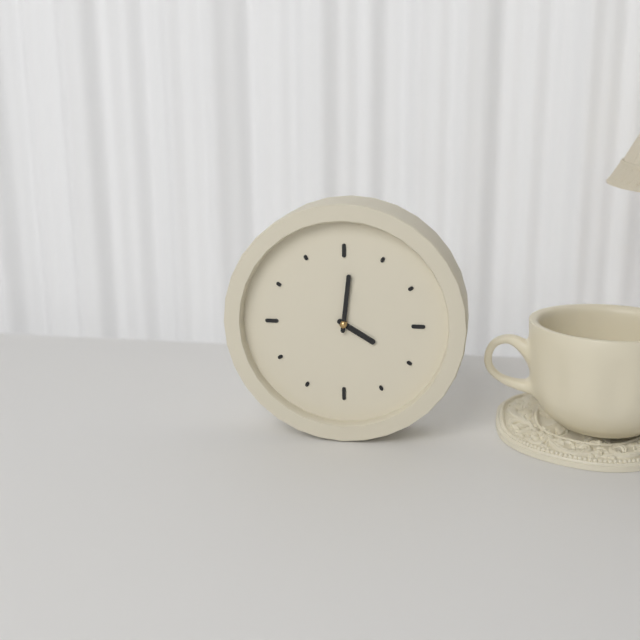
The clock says 4:01
